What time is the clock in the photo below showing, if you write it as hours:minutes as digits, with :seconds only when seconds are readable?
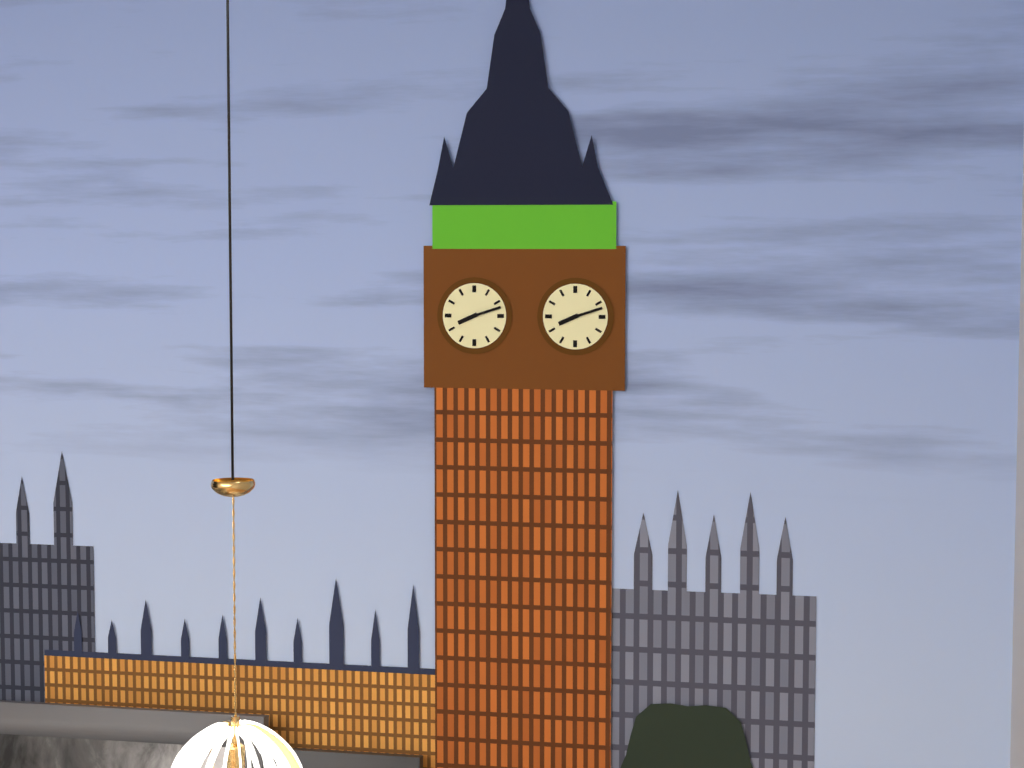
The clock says 8:12
